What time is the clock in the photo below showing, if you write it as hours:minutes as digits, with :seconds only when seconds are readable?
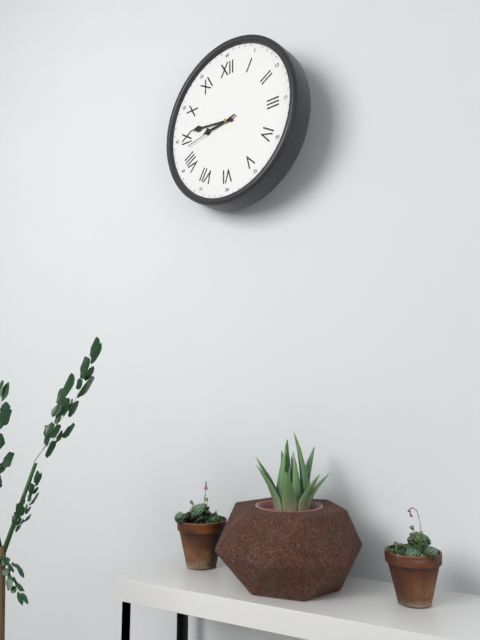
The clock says 8:46:43
